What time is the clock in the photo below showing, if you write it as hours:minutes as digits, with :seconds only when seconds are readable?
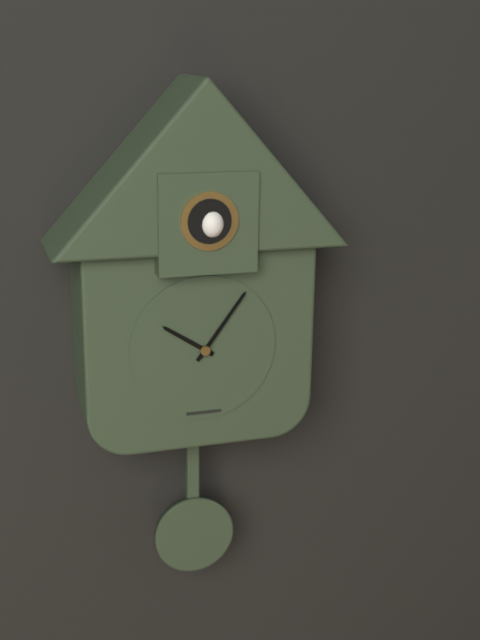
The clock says 10:06
